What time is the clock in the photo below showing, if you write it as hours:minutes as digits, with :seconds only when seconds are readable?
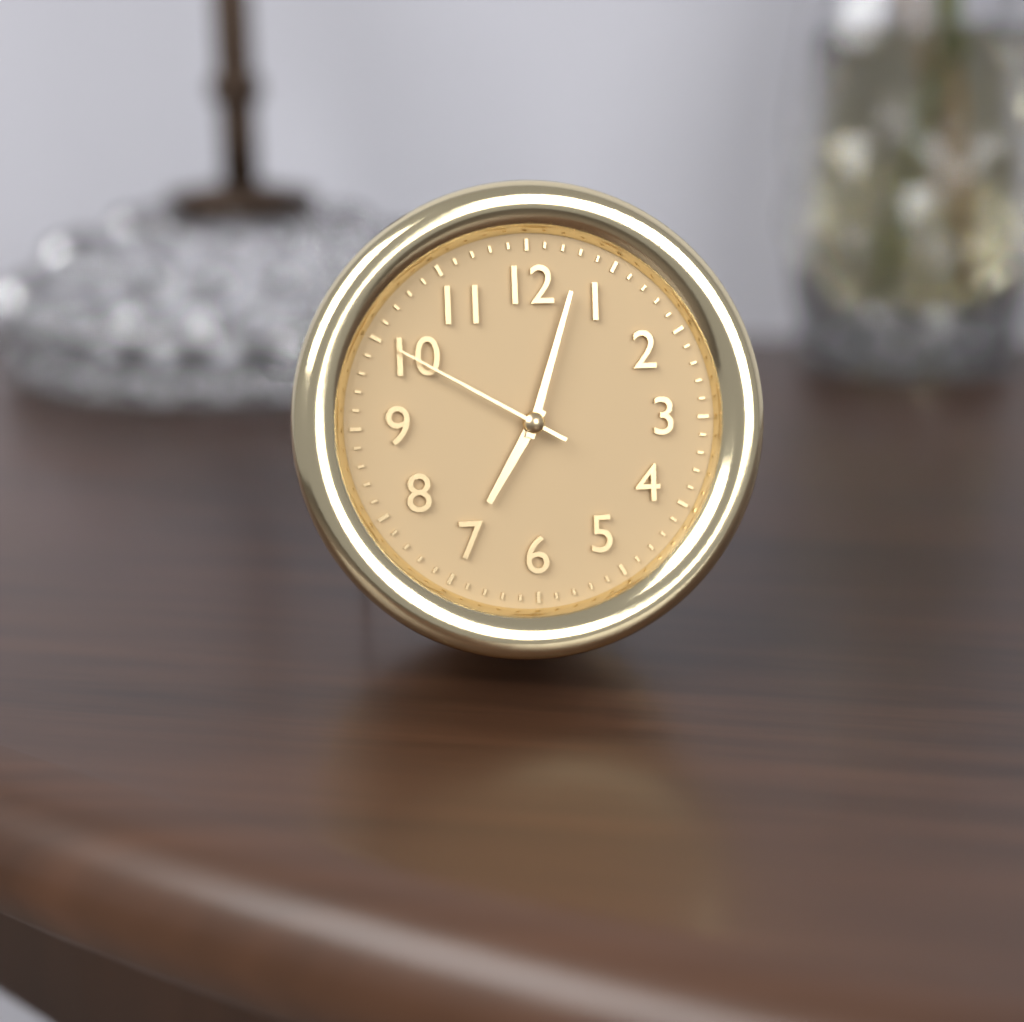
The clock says 7:03:50
